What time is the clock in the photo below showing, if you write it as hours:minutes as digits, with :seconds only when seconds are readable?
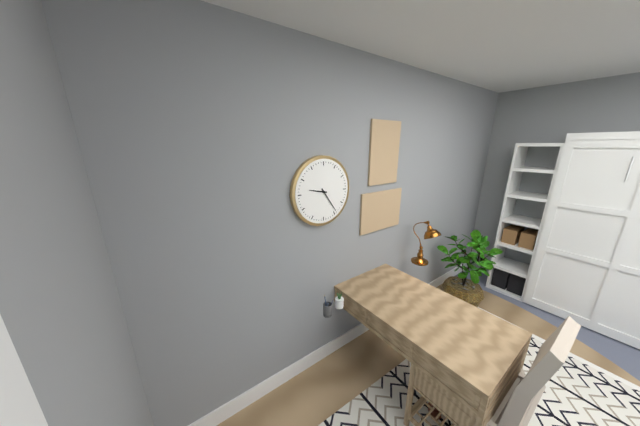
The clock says 9:24
